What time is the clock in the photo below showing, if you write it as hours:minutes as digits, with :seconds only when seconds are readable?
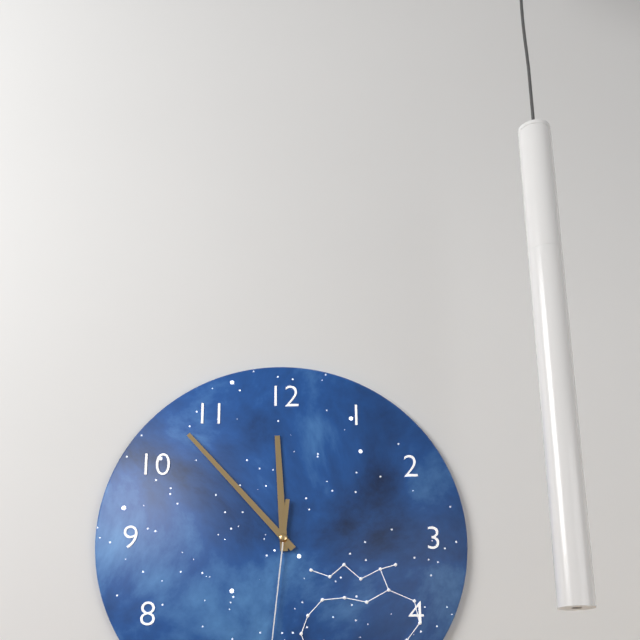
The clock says 11:53
